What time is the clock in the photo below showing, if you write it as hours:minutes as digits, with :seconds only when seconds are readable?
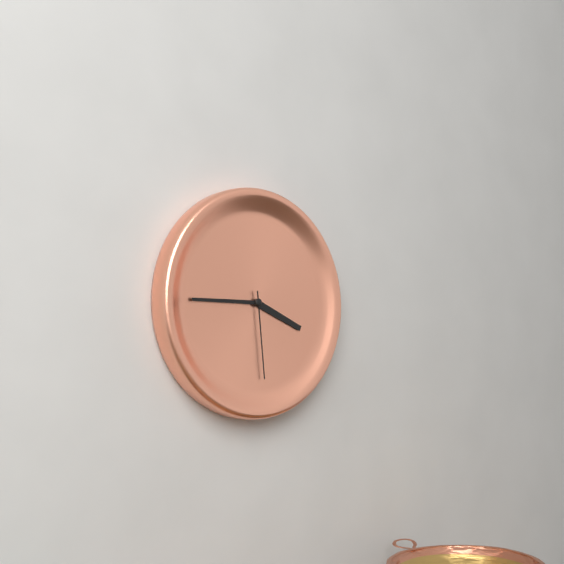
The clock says 3:45:29
